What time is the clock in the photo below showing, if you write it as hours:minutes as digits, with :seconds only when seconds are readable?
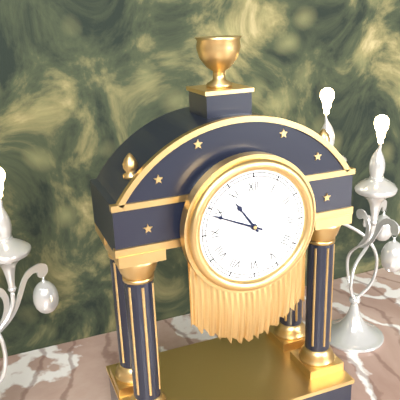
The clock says 10:49
